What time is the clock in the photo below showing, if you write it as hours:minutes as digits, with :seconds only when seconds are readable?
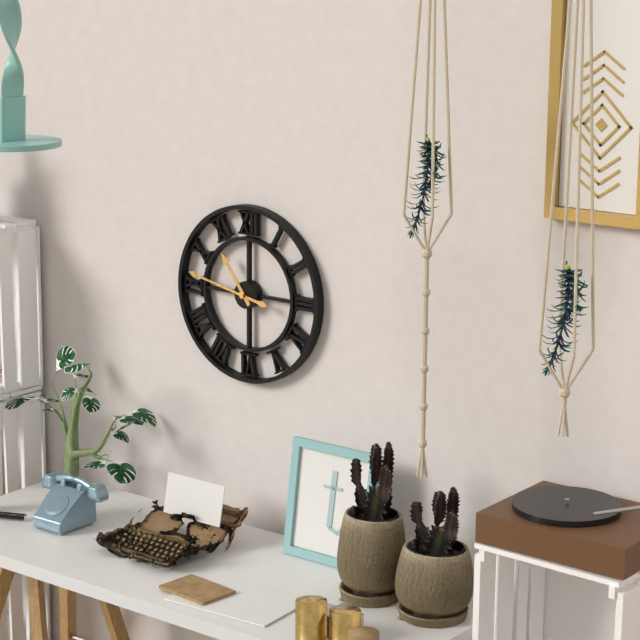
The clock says 10:47
